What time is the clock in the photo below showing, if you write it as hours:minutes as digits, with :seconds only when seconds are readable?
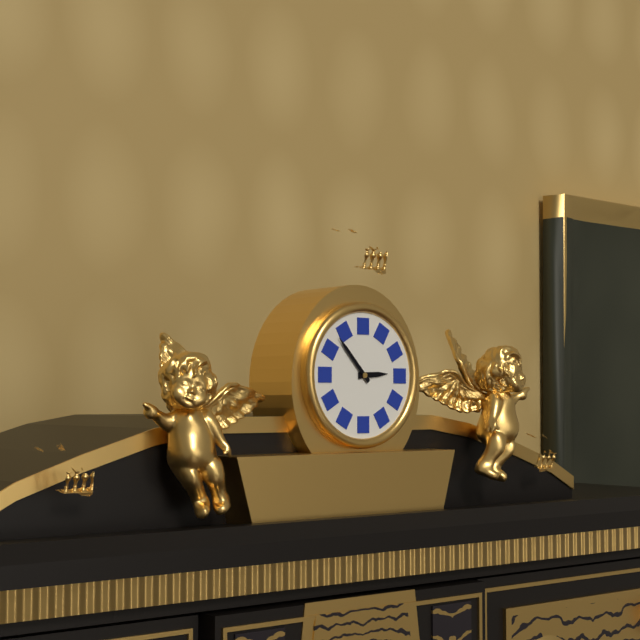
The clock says 2:53
